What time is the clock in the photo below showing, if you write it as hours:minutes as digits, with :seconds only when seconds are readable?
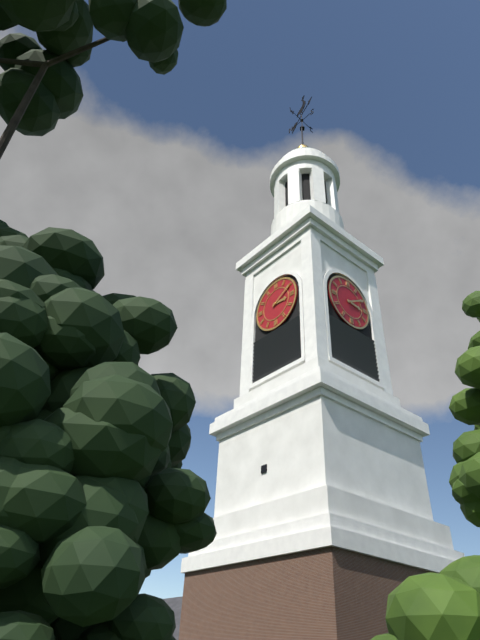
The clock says 3:10
